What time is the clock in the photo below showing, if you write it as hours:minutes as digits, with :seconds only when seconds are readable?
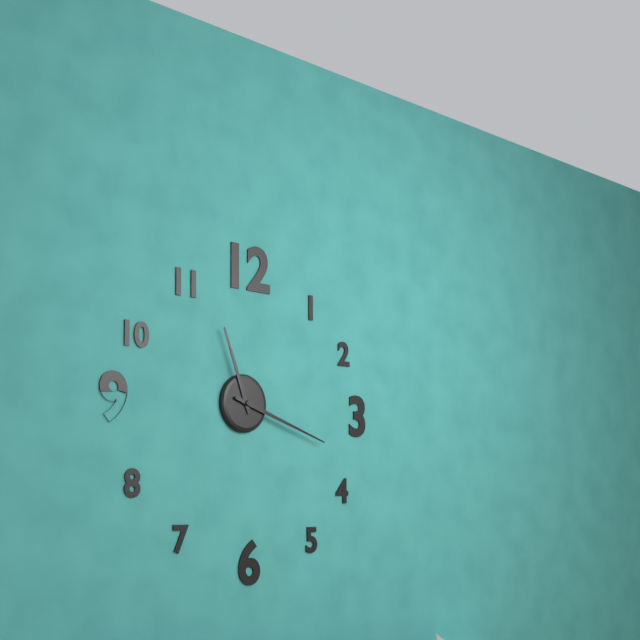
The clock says 11:18
